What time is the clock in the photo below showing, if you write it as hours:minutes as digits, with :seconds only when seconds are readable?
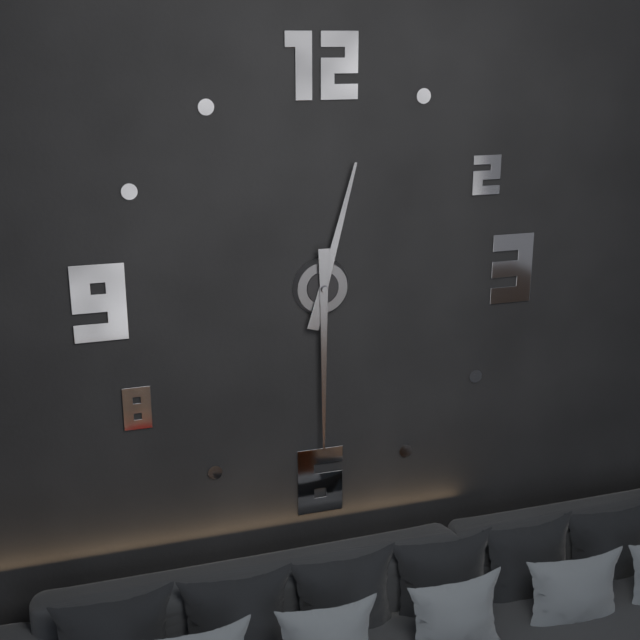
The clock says 12:30
